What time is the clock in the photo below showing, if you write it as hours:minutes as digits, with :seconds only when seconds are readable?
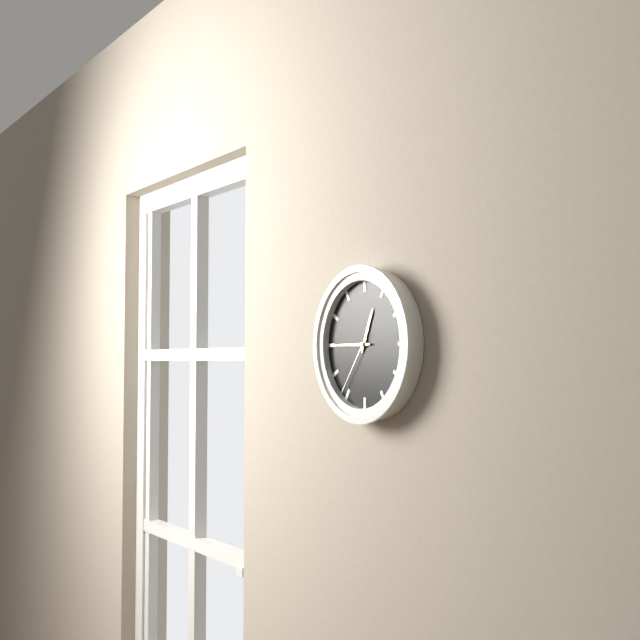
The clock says 12:45:36
